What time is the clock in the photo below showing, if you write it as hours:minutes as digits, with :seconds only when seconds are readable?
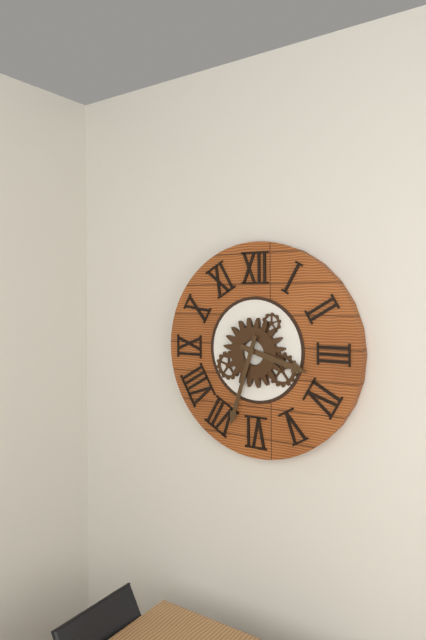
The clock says 3:33
